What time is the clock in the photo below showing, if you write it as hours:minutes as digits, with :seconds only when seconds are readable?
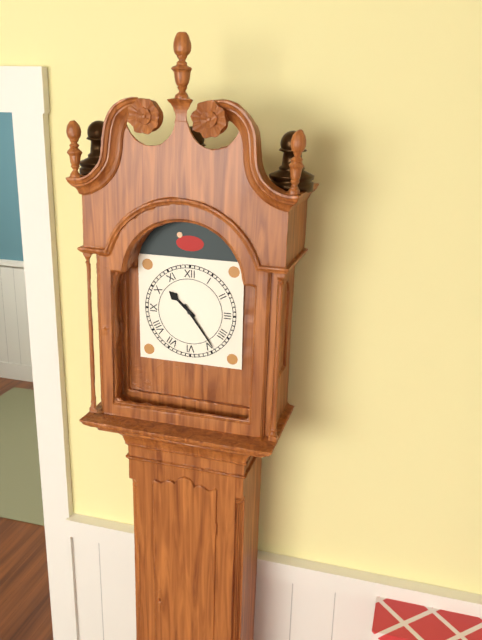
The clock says 10:24
